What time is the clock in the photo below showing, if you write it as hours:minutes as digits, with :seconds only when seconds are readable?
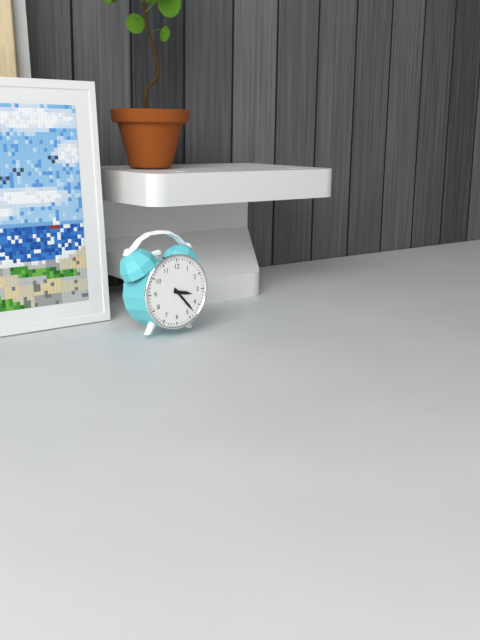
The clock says 3:23
